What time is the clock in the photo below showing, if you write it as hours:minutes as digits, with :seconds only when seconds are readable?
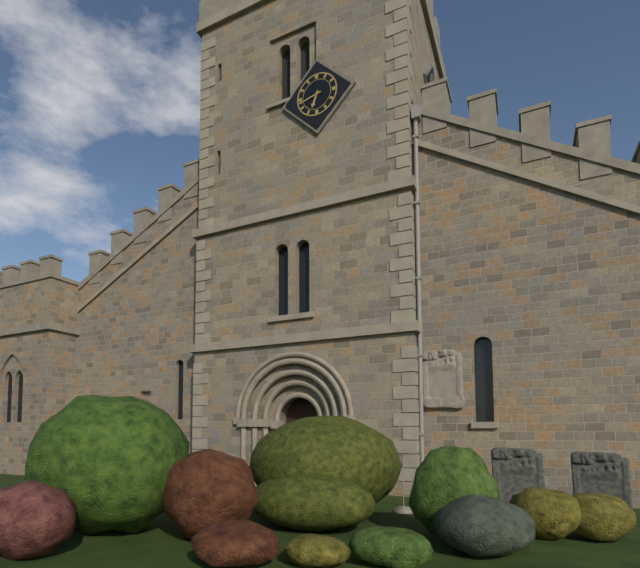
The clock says 6:43
